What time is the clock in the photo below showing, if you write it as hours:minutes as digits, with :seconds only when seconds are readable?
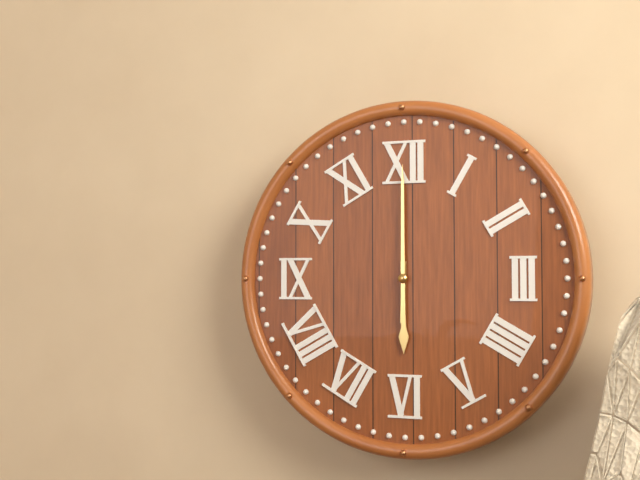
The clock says 6:00
